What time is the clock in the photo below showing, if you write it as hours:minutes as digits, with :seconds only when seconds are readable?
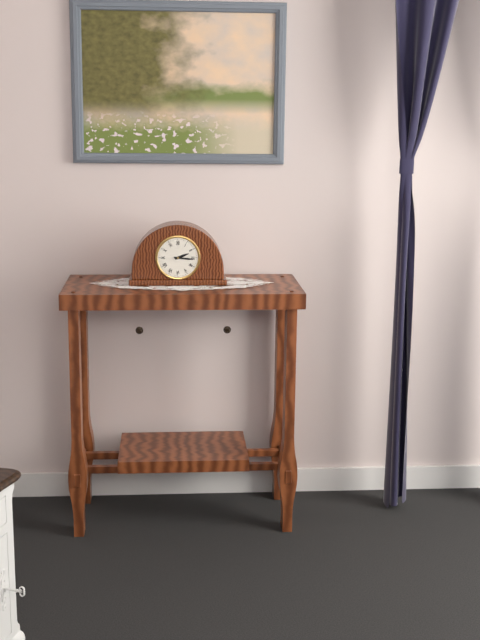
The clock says 2:16
